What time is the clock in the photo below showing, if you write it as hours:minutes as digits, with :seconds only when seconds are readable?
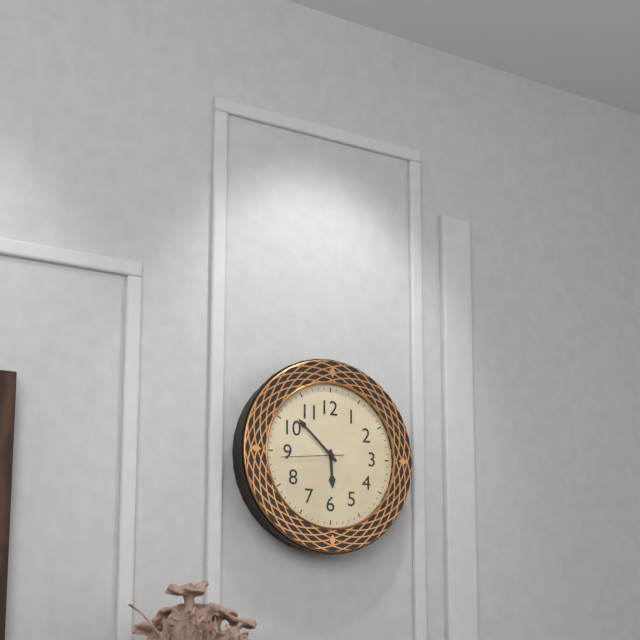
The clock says 5:52:44
